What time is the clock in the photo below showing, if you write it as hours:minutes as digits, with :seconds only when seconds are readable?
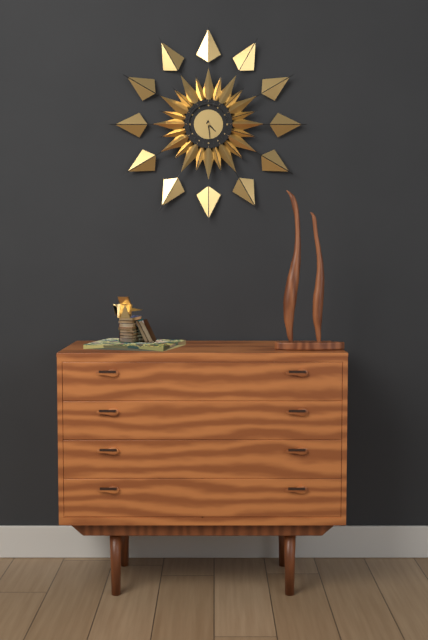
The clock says 4:29
